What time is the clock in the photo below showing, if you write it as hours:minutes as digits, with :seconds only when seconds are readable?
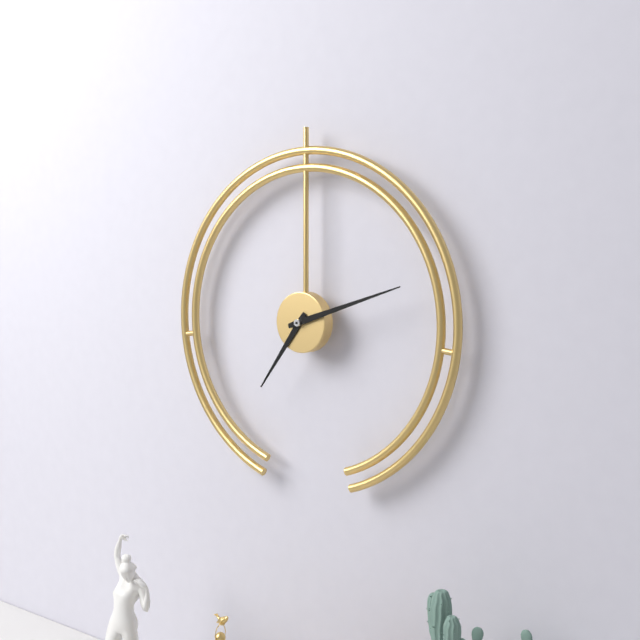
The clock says 7:12
